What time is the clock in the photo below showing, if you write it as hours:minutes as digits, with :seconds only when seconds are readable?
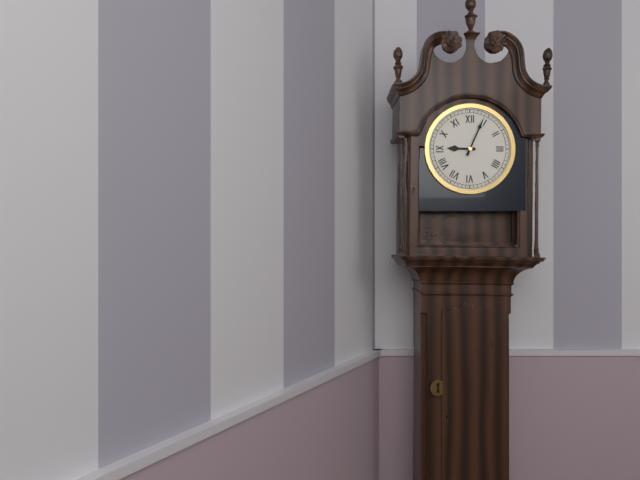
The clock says 9:04
